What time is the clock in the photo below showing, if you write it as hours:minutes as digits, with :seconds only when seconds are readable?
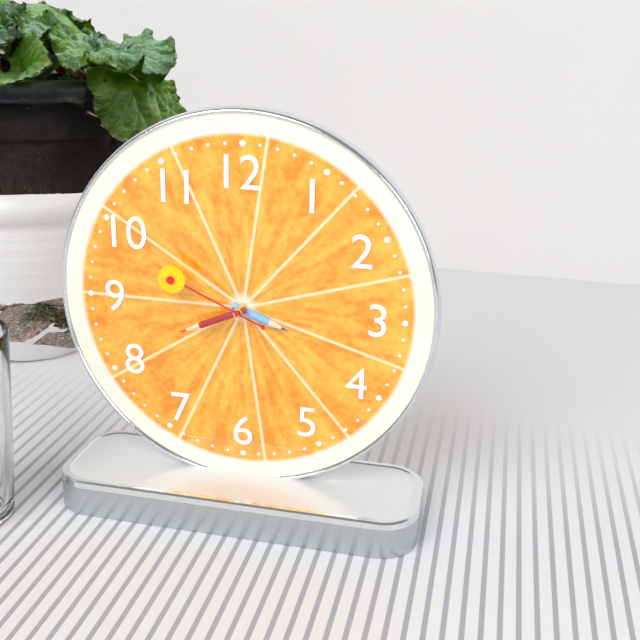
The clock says 3:41:49
